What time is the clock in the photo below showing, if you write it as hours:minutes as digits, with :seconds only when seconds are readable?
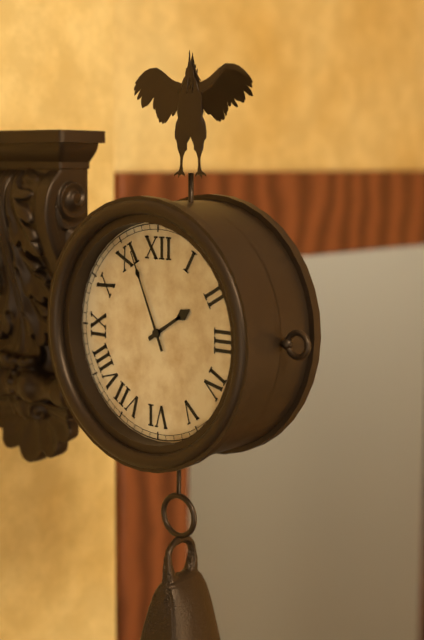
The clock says 1:56
